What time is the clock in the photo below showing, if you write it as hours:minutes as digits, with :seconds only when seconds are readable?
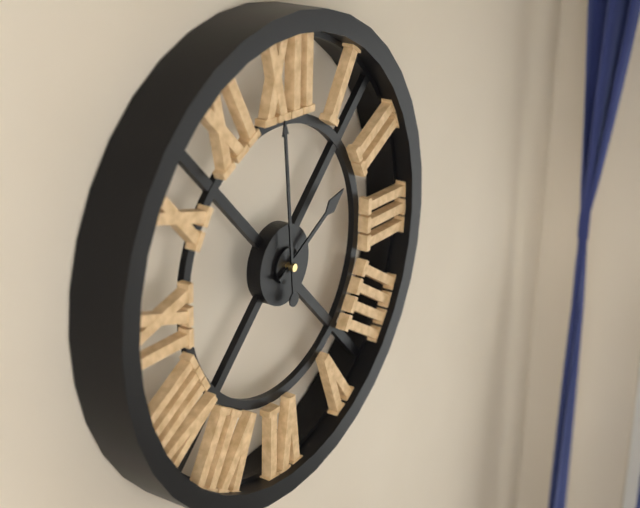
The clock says 1:59
